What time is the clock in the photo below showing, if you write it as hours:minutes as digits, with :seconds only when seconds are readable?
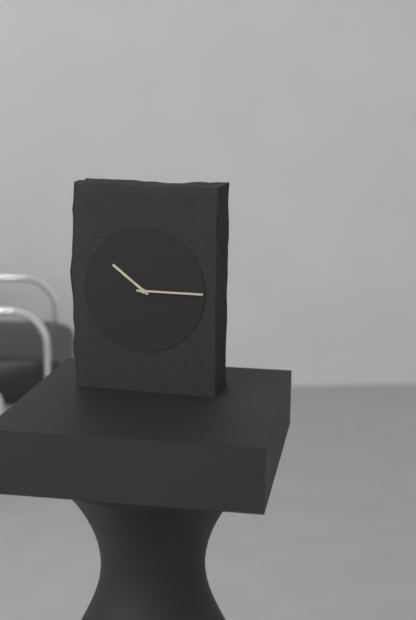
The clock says 10:15
